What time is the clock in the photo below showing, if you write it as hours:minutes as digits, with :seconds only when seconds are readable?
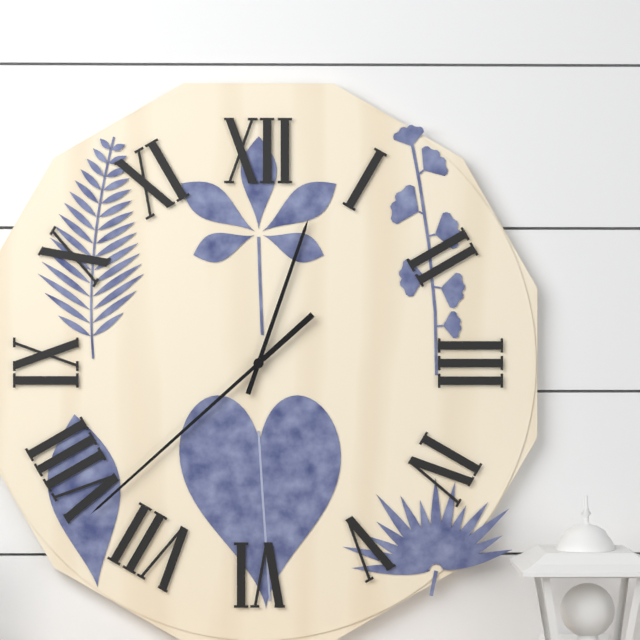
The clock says 12:38
